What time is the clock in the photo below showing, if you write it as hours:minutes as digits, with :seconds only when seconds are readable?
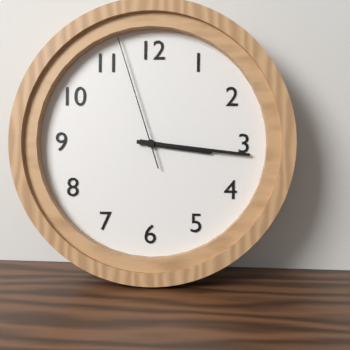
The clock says 3:16:57
